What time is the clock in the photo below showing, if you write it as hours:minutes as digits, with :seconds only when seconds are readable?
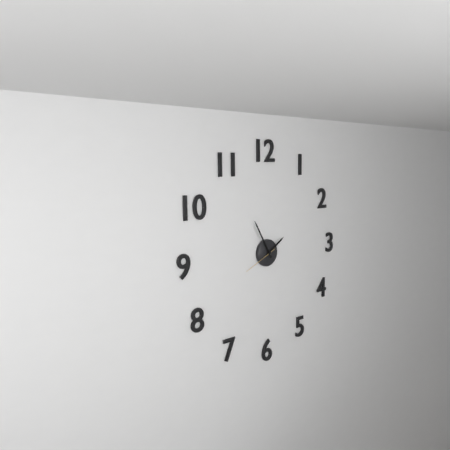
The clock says 1:55
